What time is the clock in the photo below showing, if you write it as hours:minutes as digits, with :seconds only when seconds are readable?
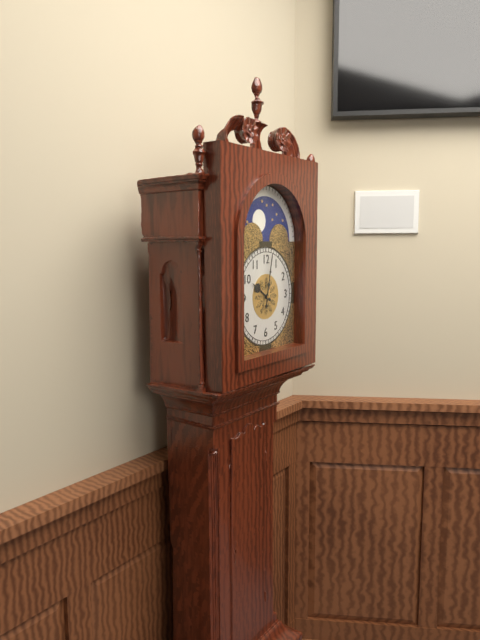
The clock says 10:02
